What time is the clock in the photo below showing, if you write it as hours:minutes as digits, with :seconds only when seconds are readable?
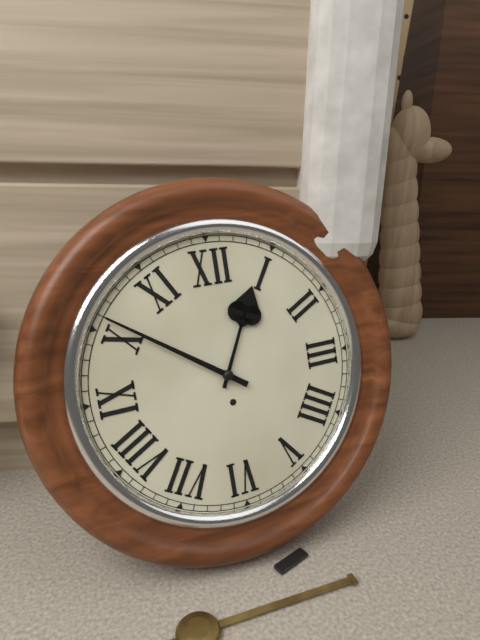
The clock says 12:51
